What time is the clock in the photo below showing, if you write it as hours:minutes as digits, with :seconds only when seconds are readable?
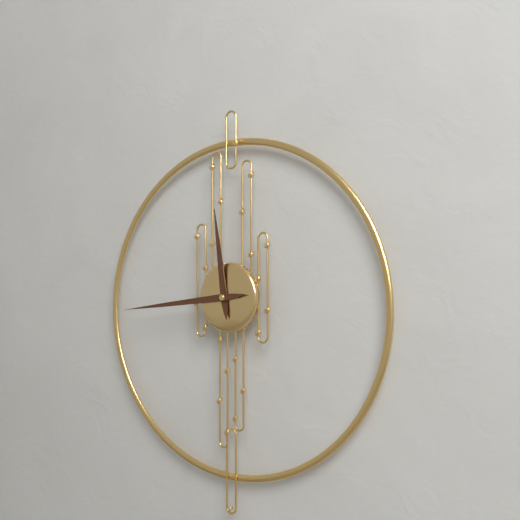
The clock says 11:44
